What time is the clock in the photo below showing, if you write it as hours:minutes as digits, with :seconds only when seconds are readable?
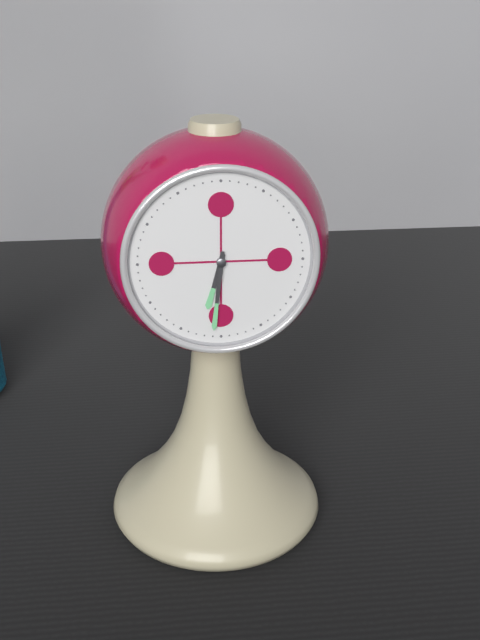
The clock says 6:31
